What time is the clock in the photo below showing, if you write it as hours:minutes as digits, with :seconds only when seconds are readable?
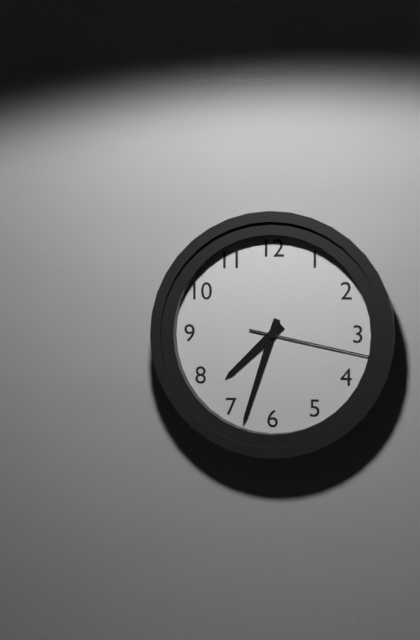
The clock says 7:33:17
